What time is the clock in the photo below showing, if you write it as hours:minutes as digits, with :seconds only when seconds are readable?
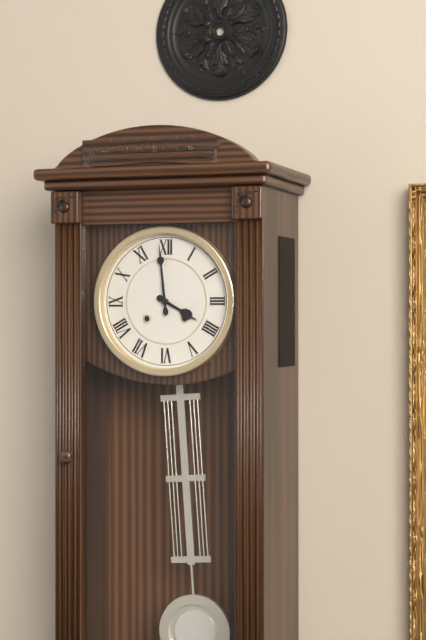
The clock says 3:59
